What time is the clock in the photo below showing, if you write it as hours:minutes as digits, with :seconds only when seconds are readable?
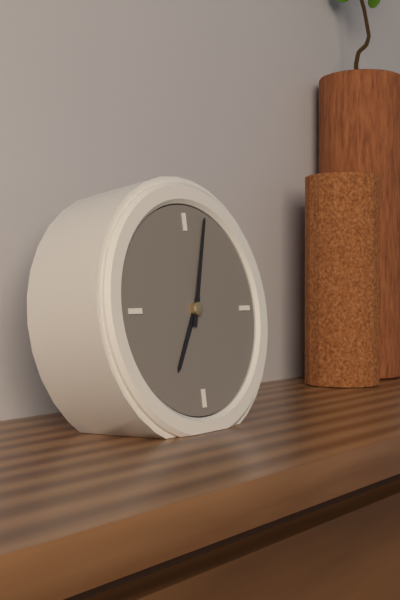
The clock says 7:03
